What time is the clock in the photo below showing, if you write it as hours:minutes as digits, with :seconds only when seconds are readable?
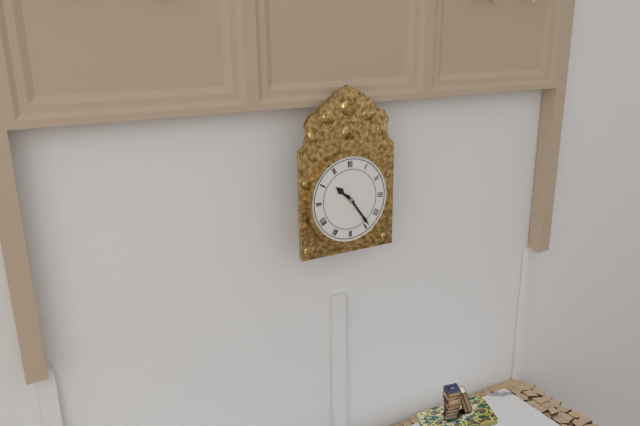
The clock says 10:24
